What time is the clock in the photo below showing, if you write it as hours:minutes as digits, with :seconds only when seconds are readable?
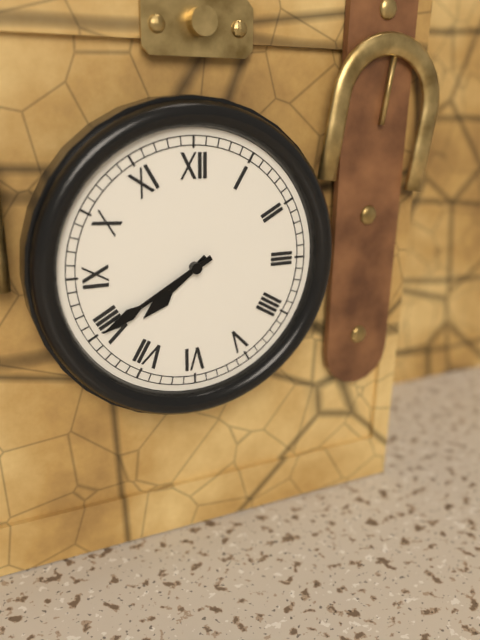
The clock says 7:40
